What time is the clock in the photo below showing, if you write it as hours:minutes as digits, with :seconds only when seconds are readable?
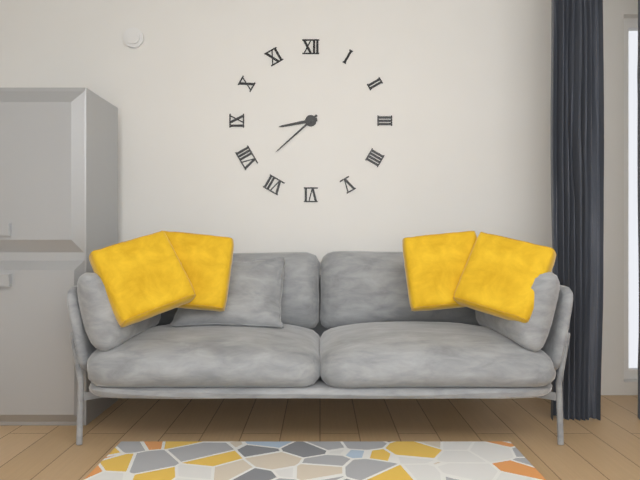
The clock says 8:38
